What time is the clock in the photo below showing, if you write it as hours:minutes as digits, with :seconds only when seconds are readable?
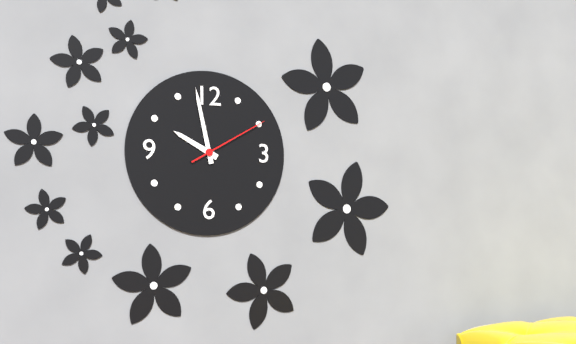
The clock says 9:58:10
